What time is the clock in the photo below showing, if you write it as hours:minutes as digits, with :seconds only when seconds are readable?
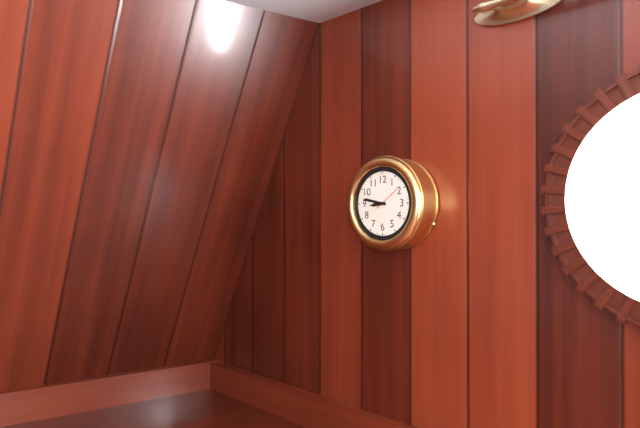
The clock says 8:47
